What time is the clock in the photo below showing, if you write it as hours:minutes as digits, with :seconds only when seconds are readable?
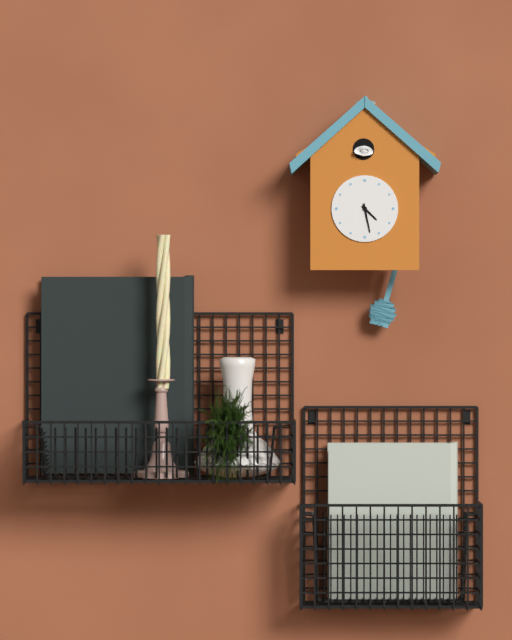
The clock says 4:28
